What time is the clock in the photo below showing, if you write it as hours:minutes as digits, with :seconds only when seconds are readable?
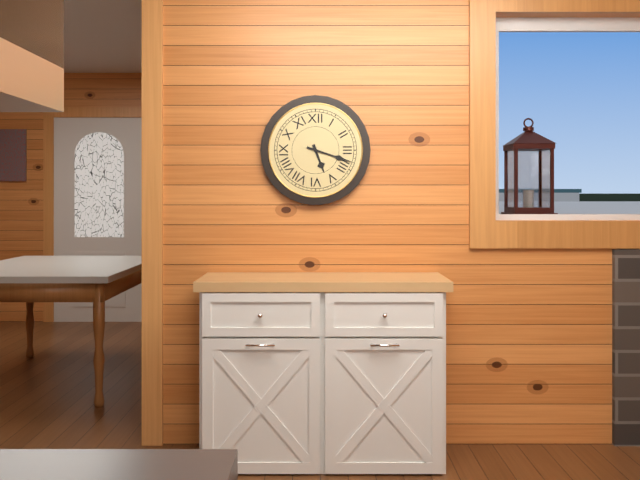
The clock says 5:18
